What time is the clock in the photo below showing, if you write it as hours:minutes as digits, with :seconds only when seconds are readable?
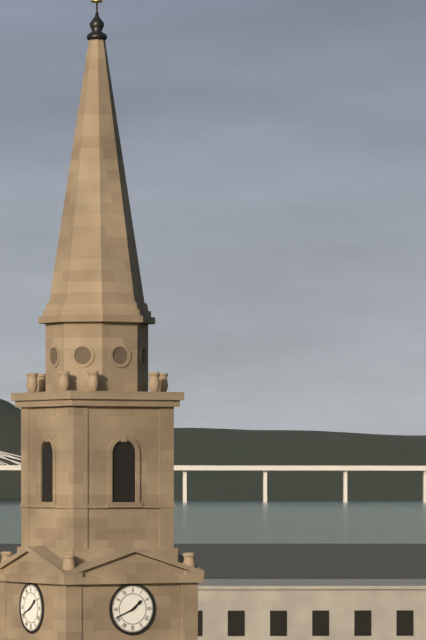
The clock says 1:41
